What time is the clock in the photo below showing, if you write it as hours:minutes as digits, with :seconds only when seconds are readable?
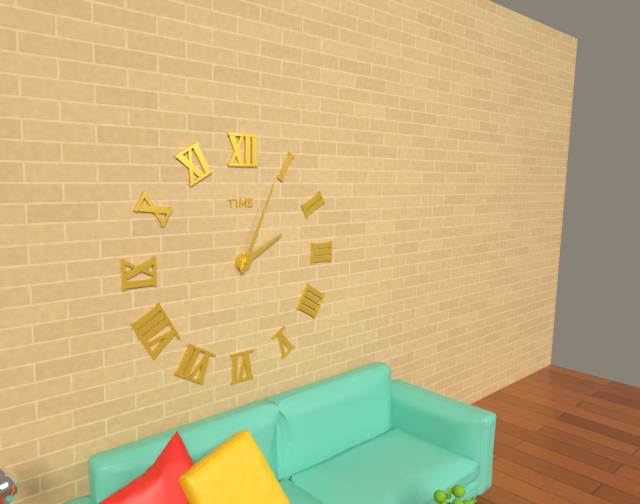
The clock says 2:04
